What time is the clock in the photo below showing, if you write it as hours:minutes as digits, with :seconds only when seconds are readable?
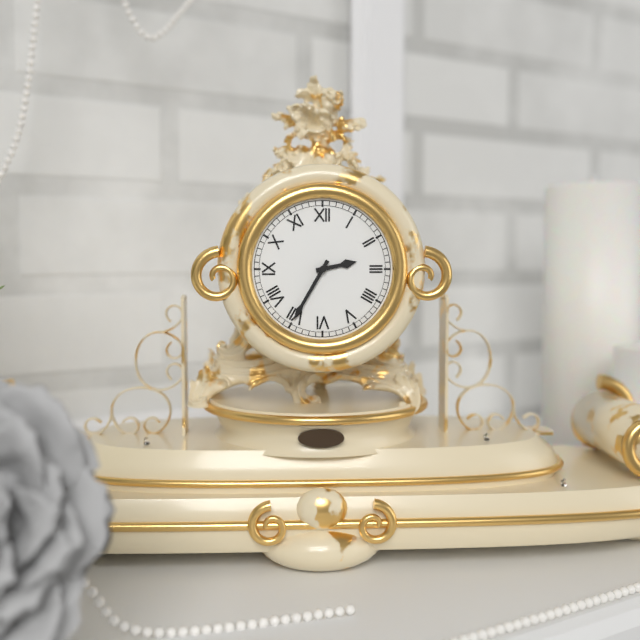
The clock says 2:35
